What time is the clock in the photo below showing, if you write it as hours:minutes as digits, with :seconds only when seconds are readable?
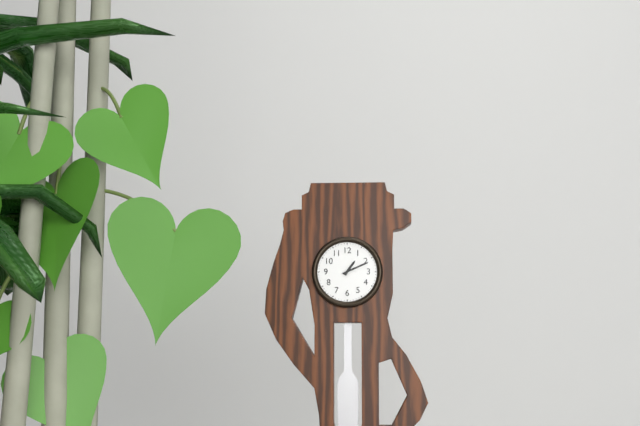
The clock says 1:11
